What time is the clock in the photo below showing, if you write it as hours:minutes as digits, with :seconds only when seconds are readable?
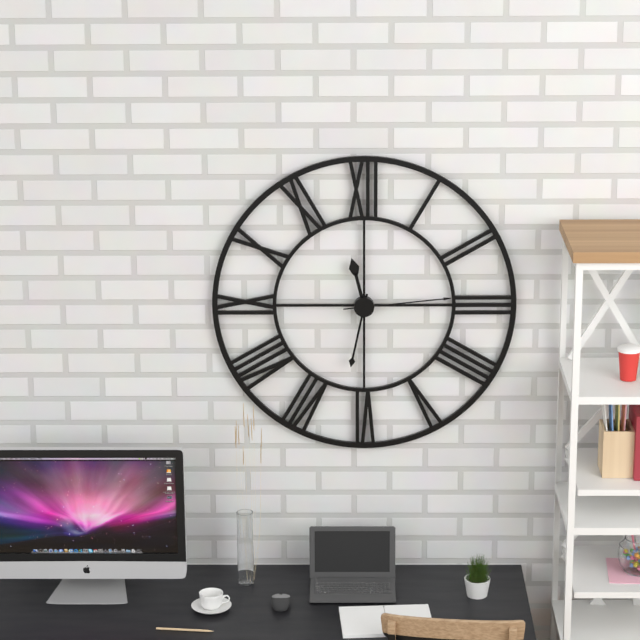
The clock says 11:32:14
